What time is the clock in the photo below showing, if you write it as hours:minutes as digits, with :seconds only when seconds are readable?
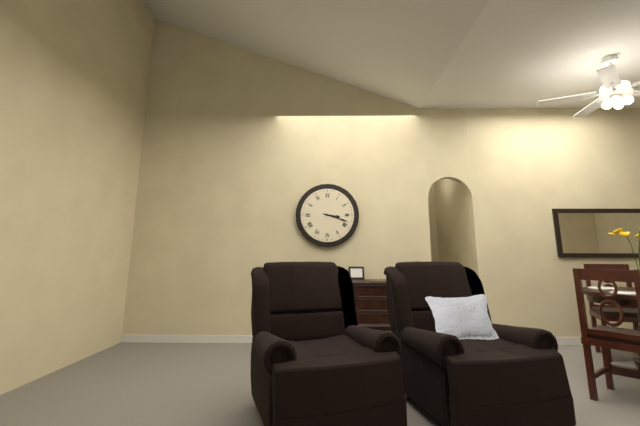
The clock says 3:18
